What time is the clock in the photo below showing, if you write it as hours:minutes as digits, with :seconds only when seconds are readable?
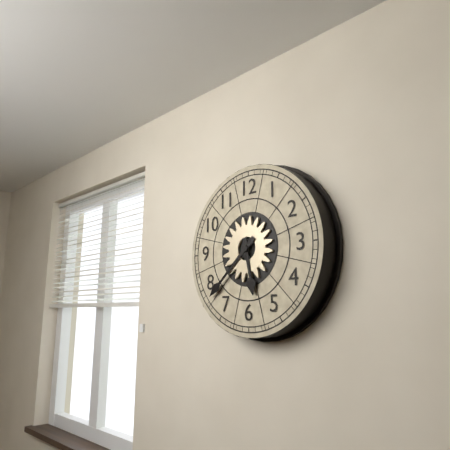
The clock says 5:38
